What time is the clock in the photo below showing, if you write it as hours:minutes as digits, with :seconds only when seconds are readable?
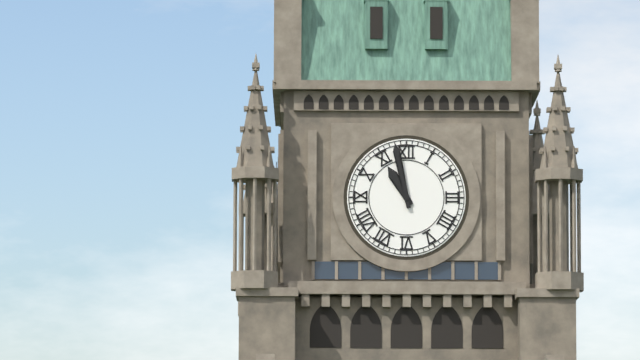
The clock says 10:58
